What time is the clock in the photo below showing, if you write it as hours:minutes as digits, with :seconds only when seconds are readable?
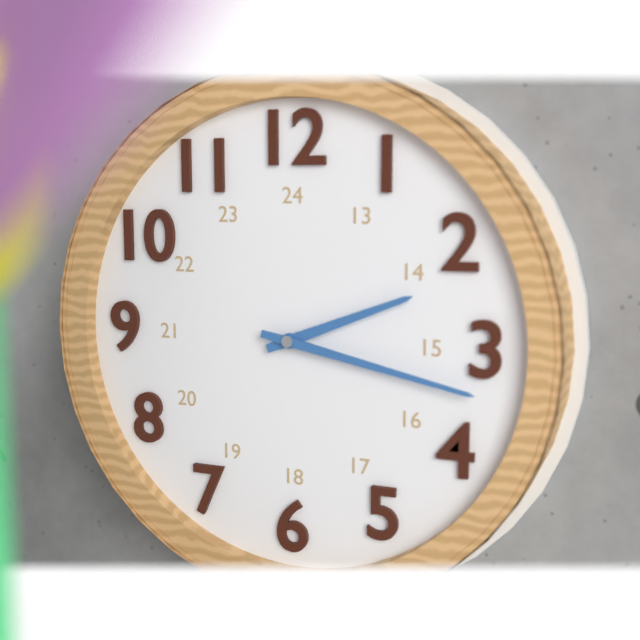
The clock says 2:17
